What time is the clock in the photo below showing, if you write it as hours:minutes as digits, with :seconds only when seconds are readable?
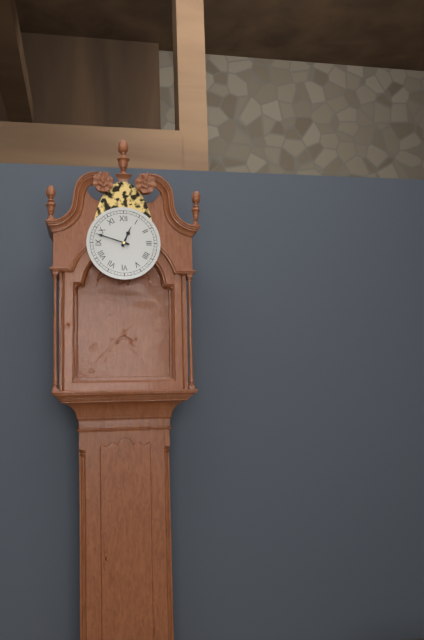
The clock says 12:48
